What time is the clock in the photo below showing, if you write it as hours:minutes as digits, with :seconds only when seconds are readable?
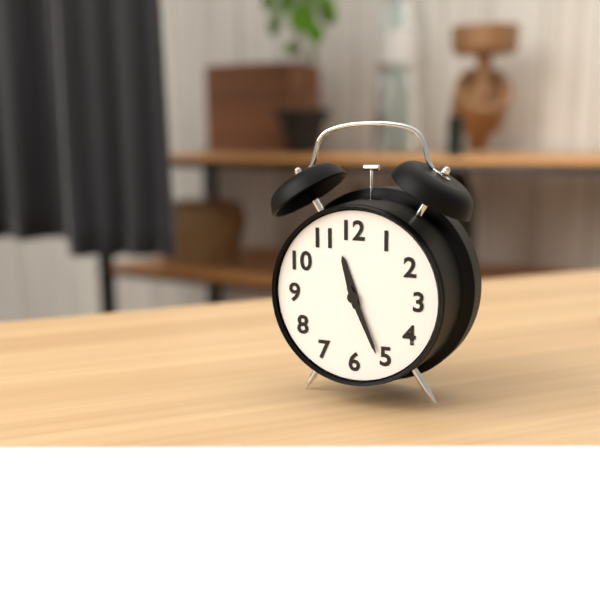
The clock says 11:26
